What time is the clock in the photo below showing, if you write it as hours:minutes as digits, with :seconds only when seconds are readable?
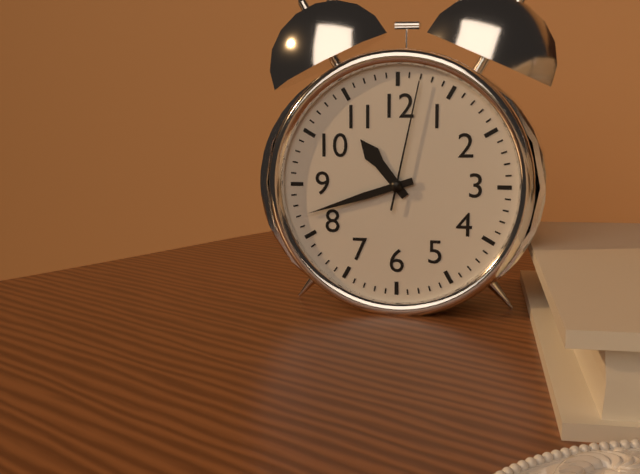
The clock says 10:42:02
